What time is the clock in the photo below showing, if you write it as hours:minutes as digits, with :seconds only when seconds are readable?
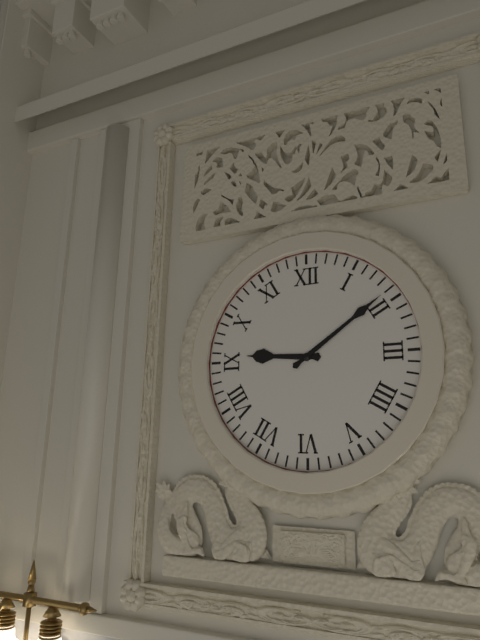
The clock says 9:09
